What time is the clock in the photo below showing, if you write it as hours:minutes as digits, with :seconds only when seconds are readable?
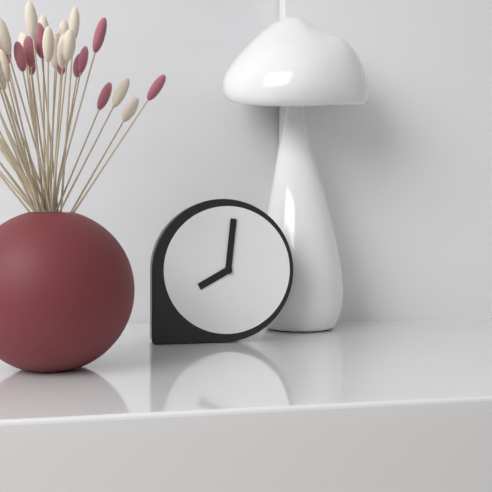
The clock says 8:01
